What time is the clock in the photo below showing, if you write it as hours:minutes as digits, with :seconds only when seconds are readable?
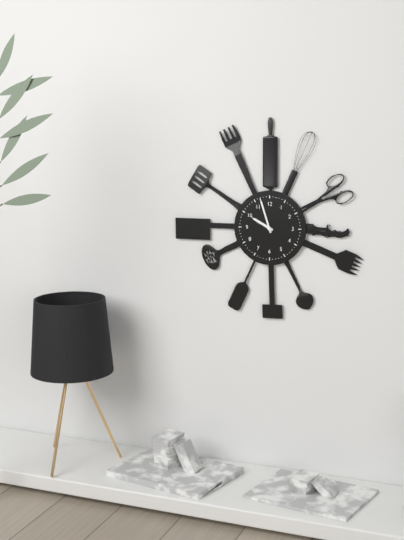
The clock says 9:57
